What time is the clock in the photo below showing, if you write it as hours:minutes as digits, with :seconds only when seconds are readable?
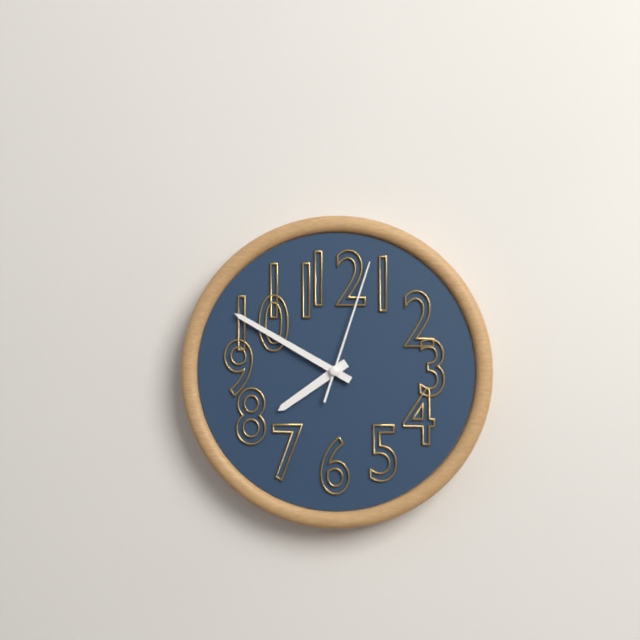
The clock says 7:50:03
